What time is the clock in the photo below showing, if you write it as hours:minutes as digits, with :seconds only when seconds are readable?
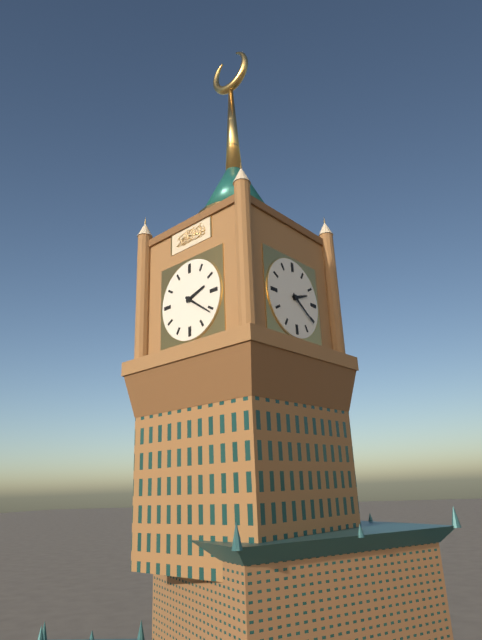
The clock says 2:21
